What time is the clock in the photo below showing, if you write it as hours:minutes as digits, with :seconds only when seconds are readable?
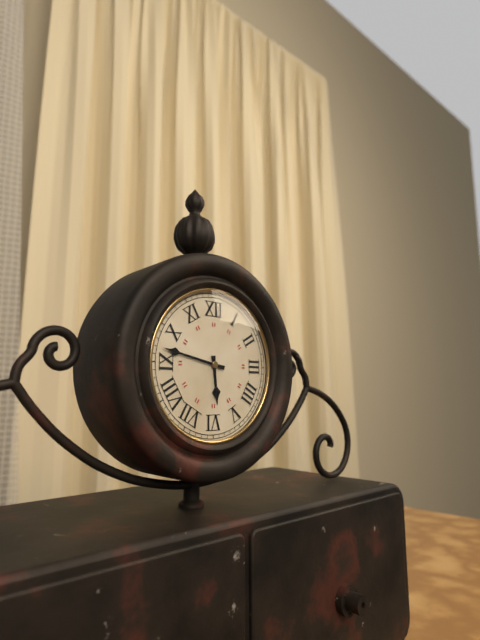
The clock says 5:47
